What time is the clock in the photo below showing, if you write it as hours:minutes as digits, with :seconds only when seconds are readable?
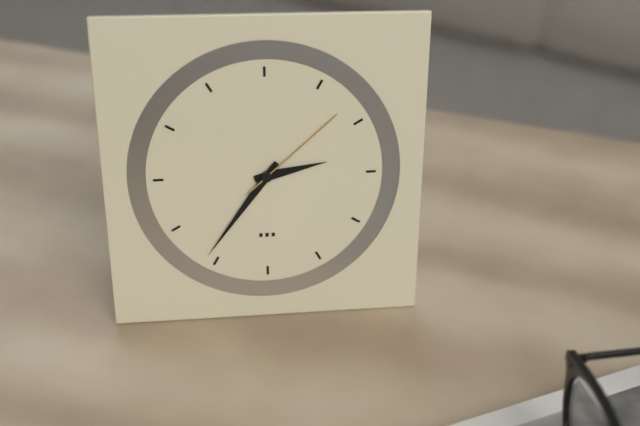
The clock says 2:36:08
